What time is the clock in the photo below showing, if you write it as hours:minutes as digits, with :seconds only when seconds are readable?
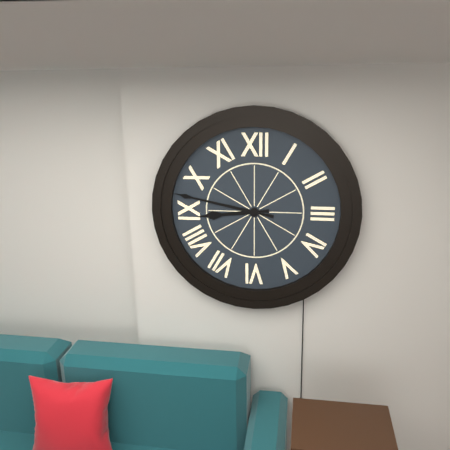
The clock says 8:47
